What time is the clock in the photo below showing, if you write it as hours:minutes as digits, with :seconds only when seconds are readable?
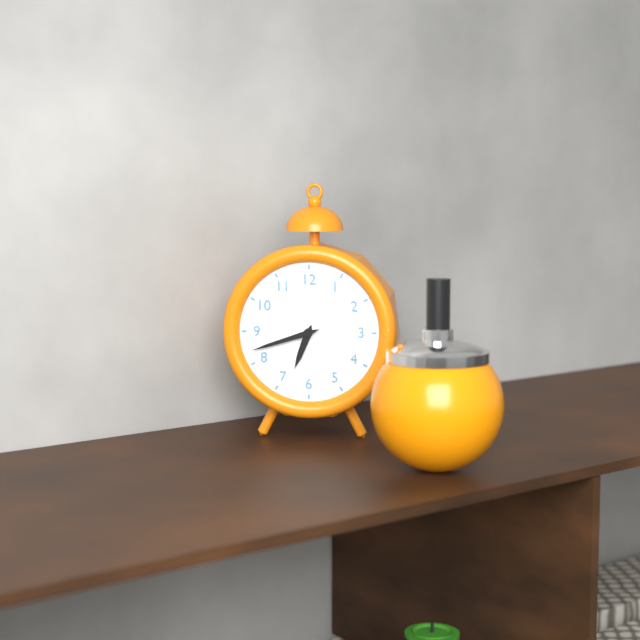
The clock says 6:42
